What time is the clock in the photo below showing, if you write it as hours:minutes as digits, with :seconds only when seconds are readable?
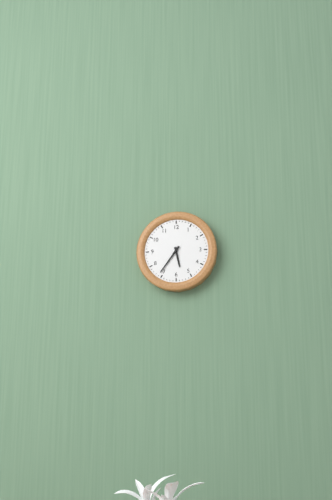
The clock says 5:36
